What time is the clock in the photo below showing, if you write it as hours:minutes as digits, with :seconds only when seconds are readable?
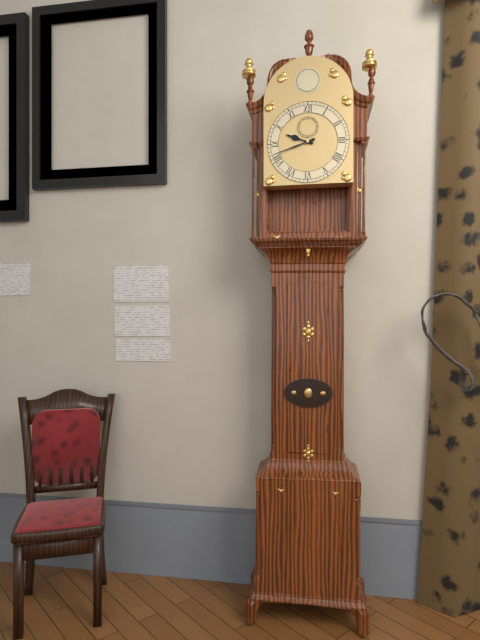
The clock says 9:42
